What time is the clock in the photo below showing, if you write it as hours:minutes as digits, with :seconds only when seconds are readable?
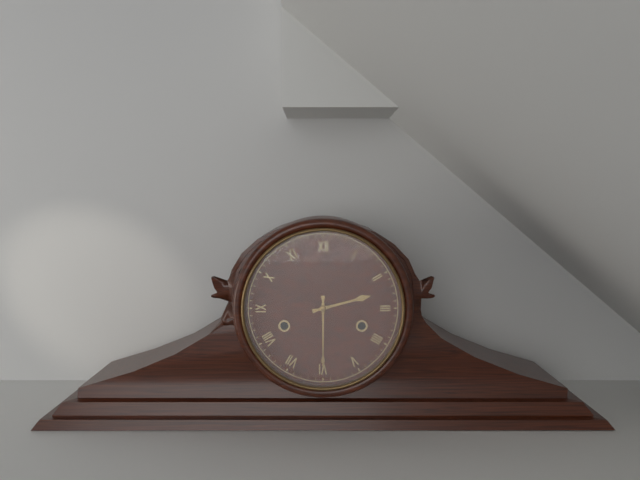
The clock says 2:30
